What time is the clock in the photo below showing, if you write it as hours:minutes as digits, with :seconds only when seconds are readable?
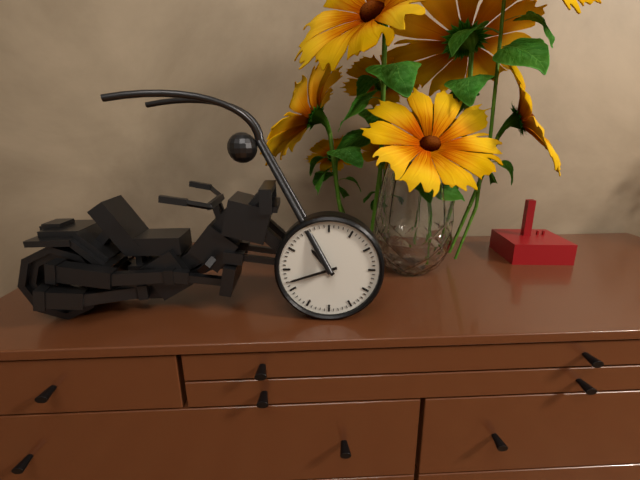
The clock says 10:42
